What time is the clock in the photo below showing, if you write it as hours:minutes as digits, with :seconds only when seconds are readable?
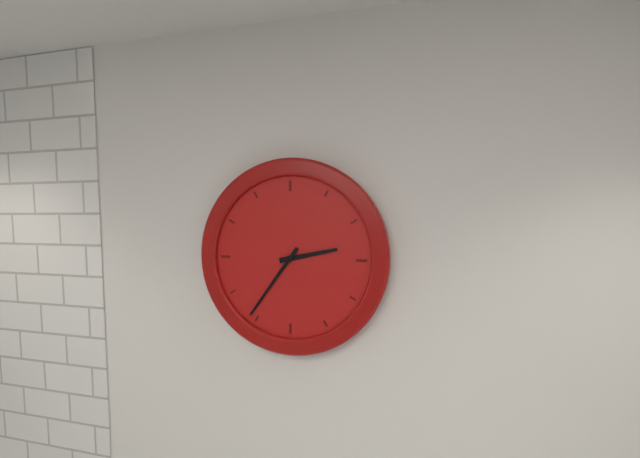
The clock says 2:36
